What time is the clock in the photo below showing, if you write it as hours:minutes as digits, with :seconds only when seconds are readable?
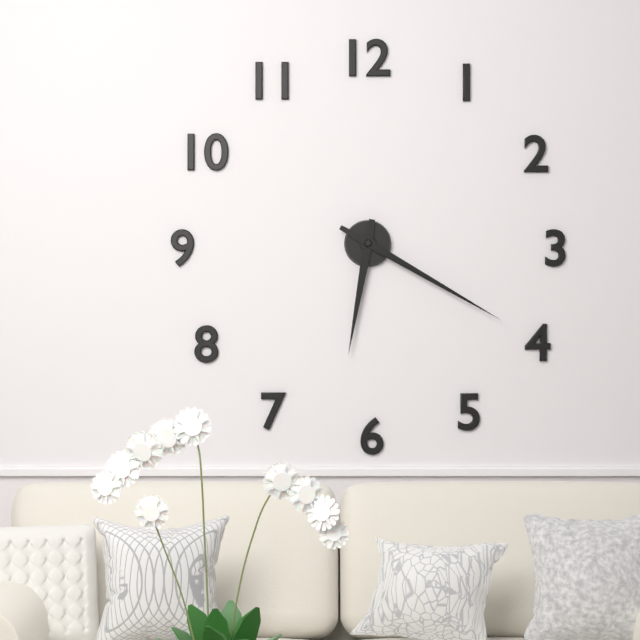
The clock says 6:20
